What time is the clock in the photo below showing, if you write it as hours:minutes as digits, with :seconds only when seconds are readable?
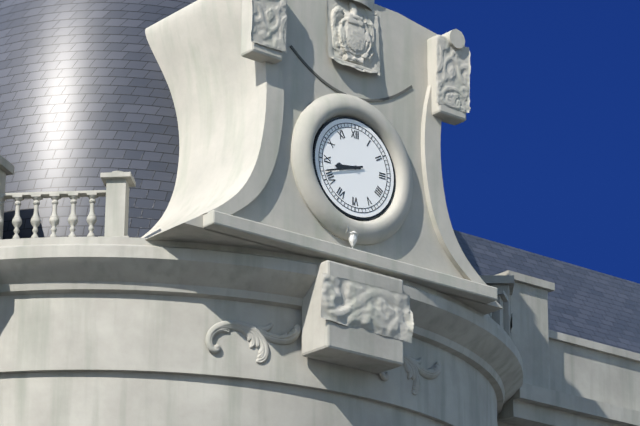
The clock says 8:42
